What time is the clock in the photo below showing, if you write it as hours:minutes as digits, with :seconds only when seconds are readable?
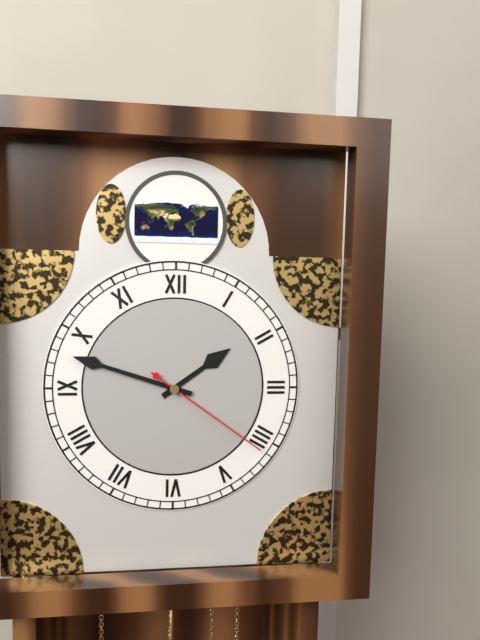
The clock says 1:48:21
